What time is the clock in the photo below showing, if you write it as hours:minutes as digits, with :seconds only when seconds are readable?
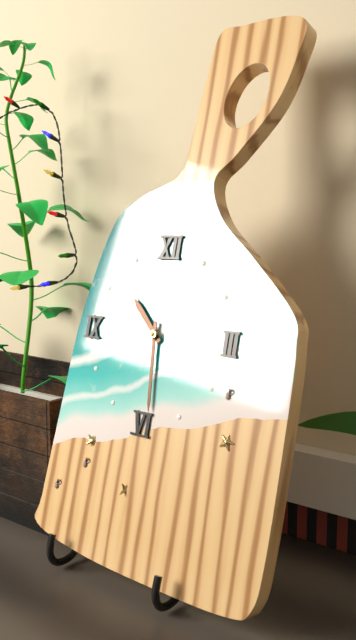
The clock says 10:29
